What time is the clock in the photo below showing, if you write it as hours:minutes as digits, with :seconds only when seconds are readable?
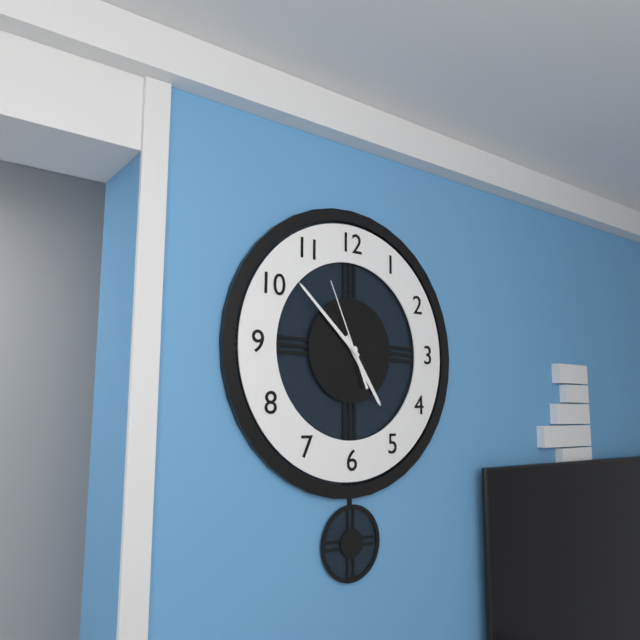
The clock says 4:52:56
